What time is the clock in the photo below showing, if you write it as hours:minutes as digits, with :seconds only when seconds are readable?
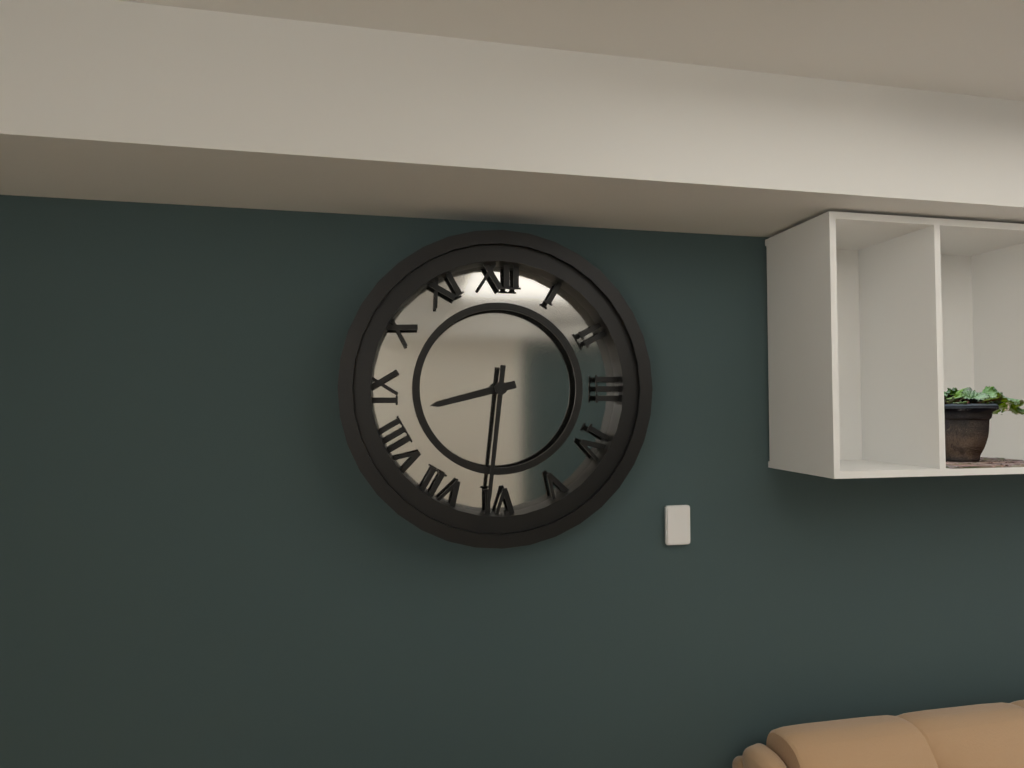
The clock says 8:31
